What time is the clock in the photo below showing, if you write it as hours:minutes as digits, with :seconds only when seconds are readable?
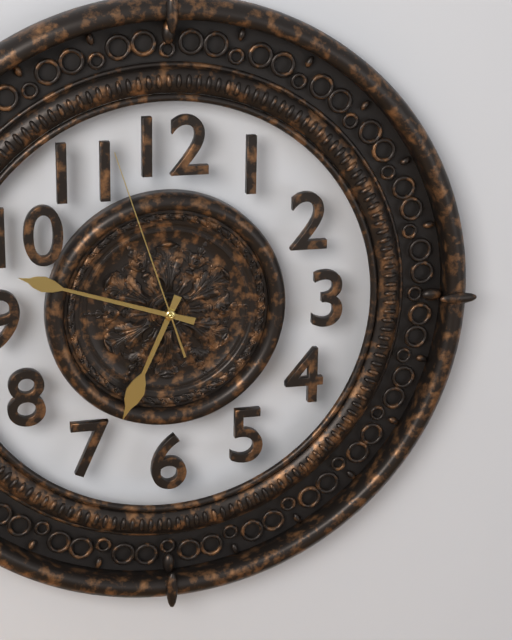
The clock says 6:48:57
